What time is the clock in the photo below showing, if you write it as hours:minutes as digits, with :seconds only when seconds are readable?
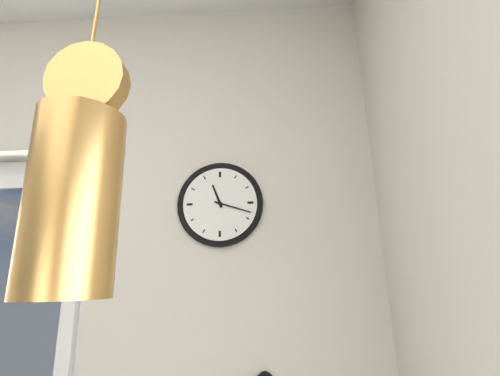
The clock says 11:18
